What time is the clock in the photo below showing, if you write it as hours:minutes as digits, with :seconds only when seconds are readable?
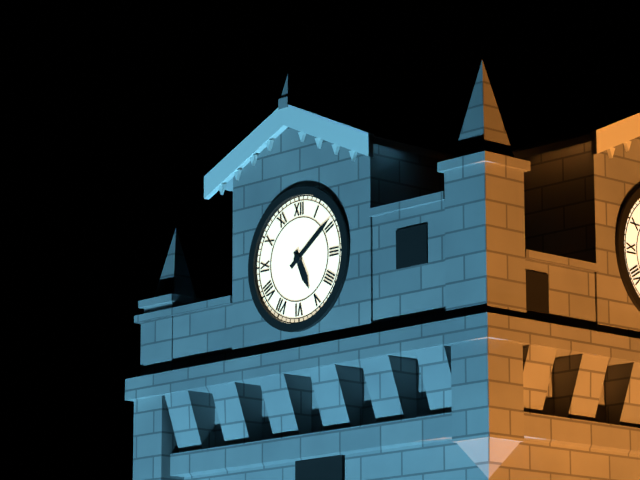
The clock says 5:09
